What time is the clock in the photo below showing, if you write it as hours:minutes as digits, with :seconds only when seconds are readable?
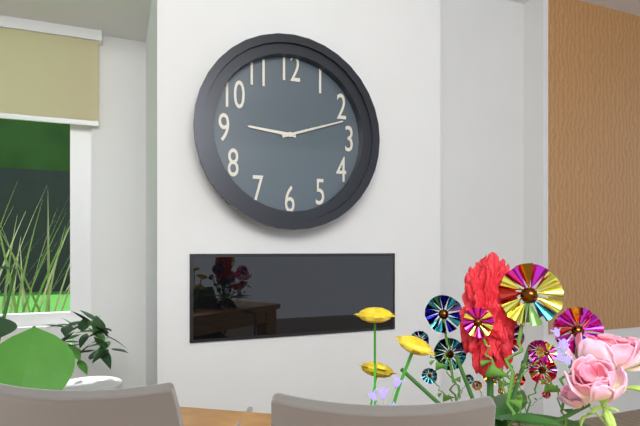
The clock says 9:12
